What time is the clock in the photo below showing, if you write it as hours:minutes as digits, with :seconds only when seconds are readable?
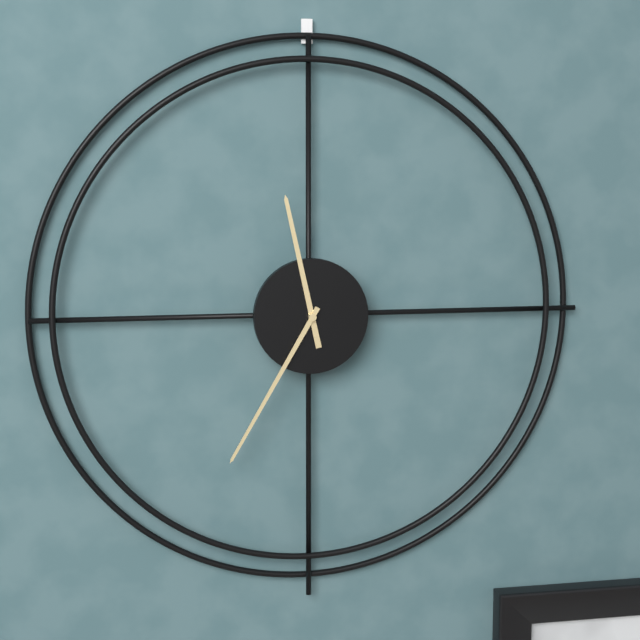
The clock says 11:35
